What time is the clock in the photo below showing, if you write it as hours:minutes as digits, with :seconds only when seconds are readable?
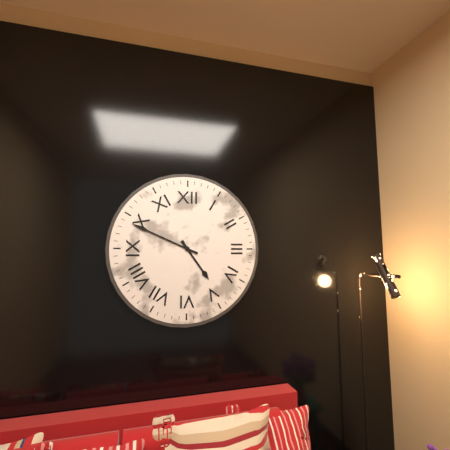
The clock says 4:49
